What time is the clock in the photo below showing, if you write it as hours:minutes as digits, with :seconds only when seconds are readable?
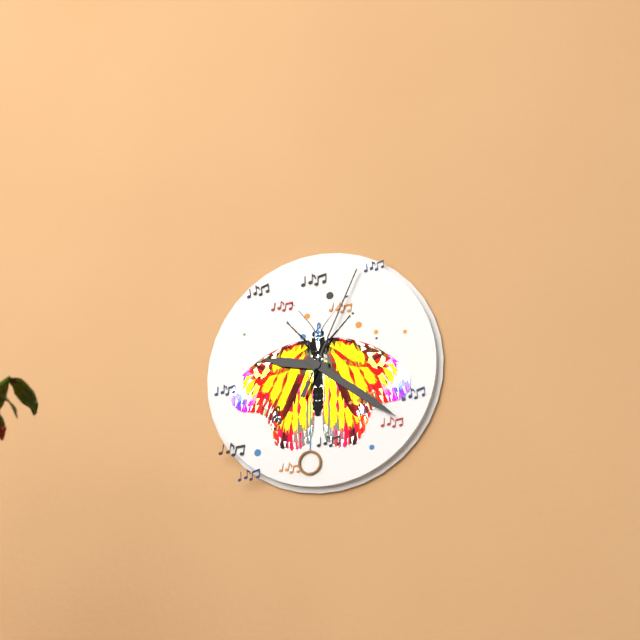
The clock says 9:21:04
